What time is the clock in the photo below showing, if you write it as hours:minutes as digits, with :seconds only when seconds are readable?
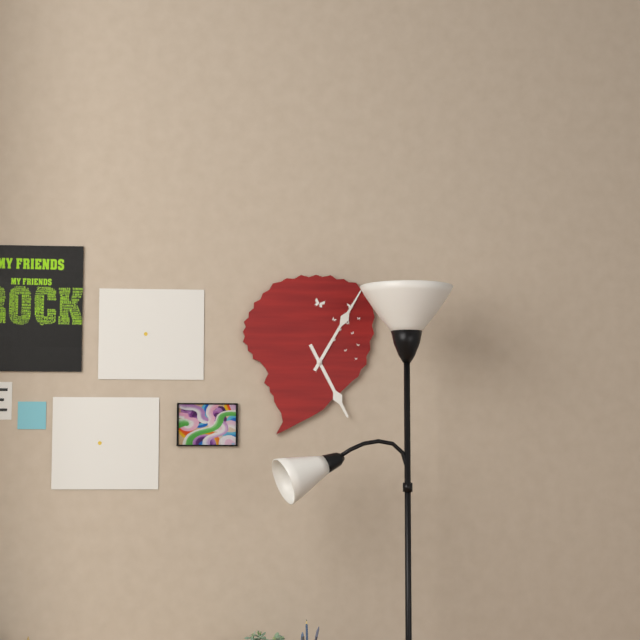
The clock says 5:05
